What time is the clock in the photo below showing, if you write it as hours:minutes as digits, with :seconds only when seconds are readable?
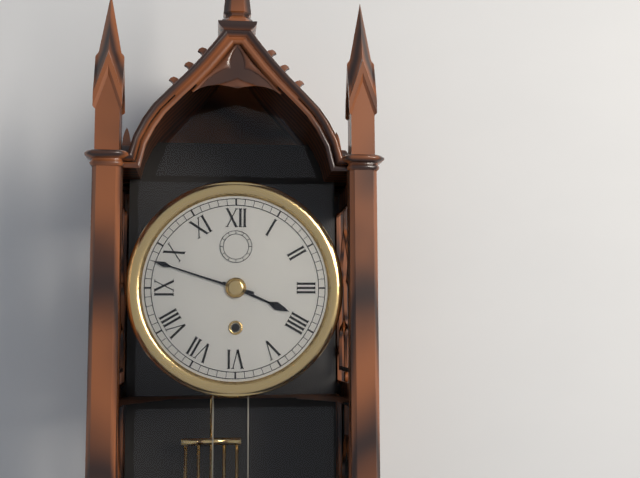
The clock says 3:48
